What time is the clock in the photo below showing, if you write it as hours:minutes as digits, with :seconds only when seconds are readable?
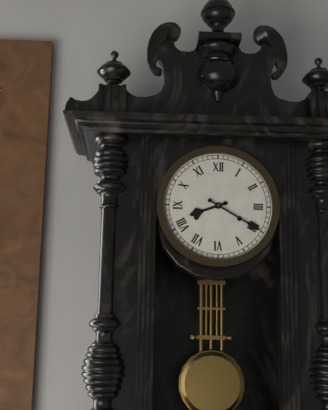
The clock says 8:20
